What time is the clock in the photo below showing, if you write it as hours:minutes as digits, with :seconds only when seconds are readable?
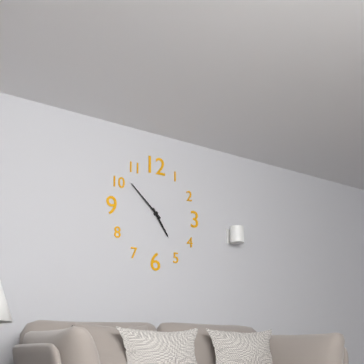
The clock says 4:52
